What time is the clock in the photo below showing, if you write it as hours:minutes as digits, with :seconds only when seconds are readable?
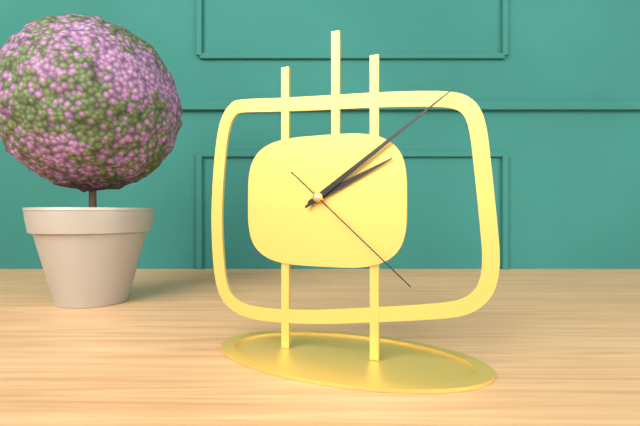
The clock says 2:09:22
